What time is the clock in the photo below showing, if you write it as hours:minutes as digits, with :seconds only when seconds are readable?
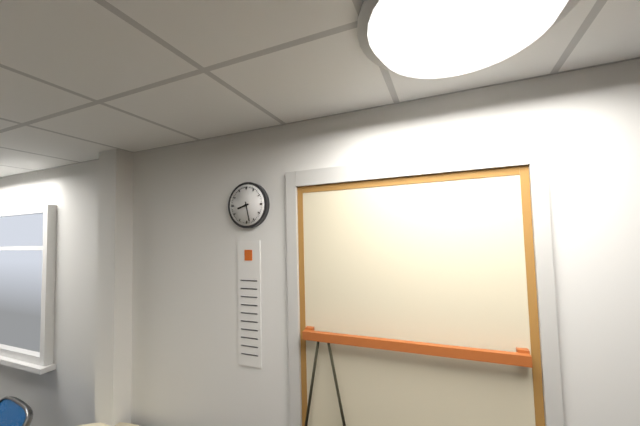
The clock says 8:28
